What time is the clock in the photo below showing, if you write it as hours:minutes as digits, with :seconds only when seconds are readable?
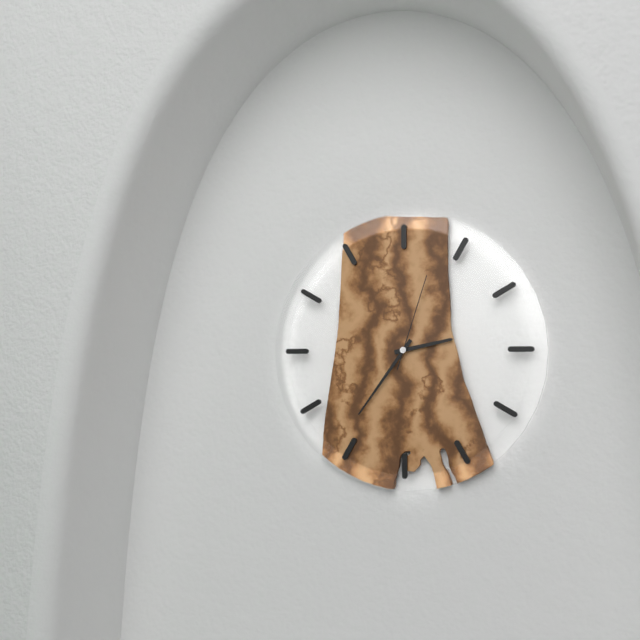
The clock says 2:36:03
